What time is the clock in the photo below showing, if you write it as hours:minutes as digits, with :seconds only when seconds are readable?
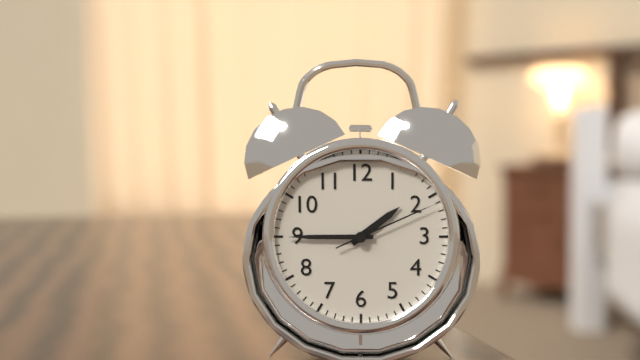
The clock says 1:45:11
